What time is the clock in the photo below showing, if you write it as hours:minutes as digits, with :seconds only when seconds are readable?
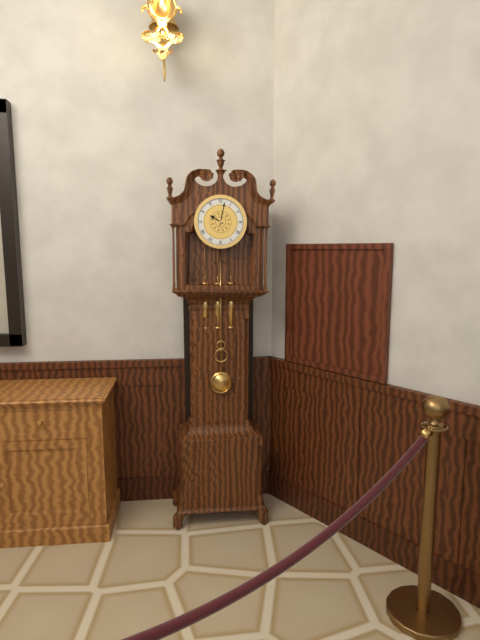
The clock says 10:02
